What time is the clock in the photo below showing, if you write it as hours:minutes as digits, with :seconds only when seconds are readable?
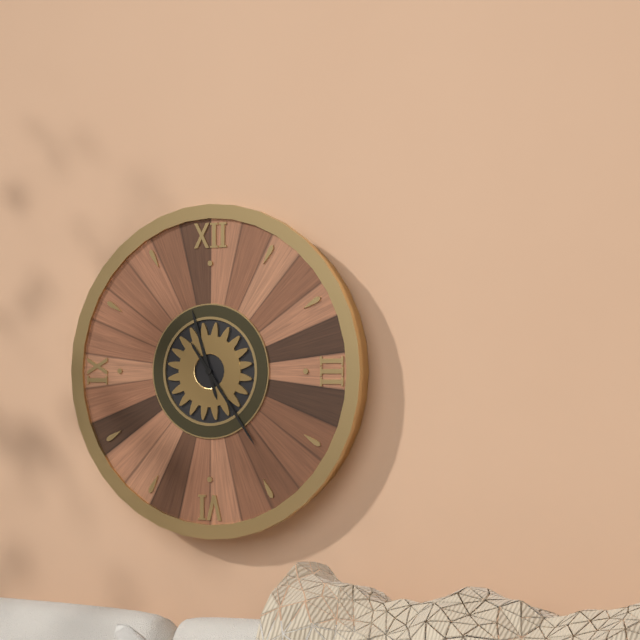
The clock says 11:24
